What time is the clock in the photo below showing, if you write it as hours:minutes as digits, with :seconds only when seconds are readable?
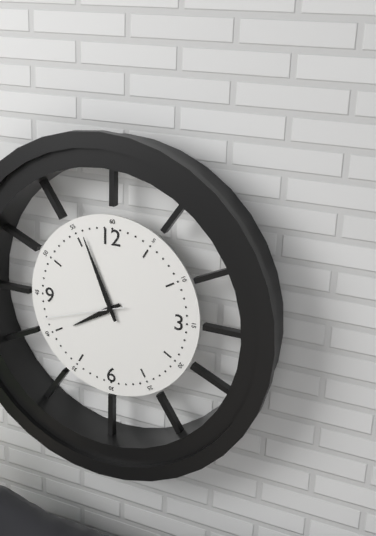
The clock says 7:56:42
